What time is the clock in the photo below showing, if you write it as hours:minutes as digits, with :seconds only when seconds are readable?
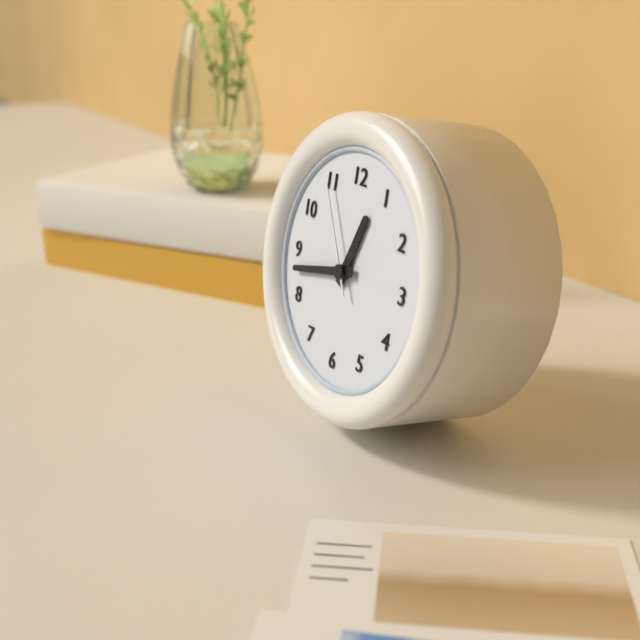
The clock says 12:43:55
